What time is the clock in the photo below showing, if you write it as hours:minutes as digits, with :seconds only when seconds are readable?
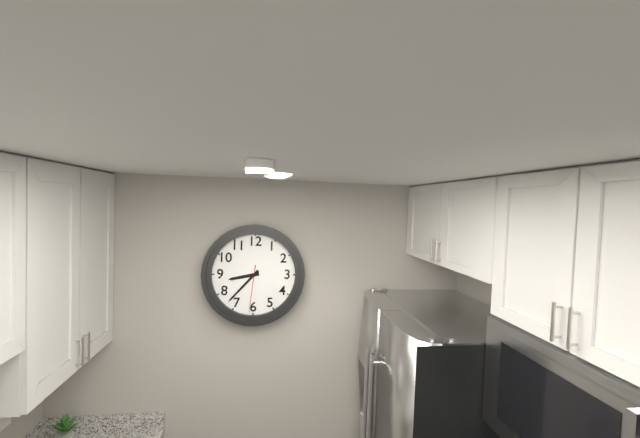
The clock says 8:37
